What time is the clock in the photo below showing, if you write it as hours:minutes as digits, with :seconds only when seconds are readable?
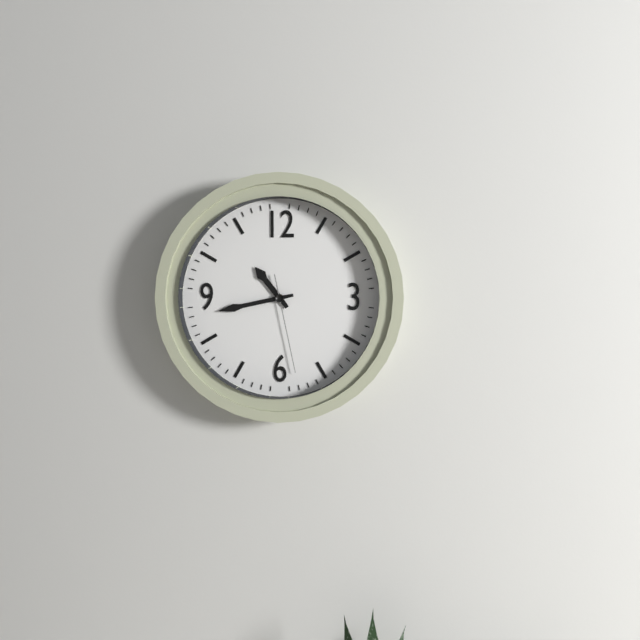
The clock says 10:43:28
